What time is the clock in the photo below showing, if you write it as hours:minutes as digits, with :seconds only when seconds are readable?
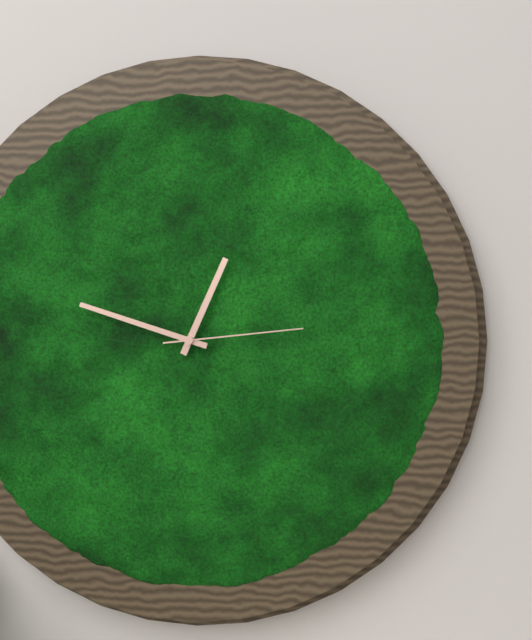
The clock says 12:48:14
